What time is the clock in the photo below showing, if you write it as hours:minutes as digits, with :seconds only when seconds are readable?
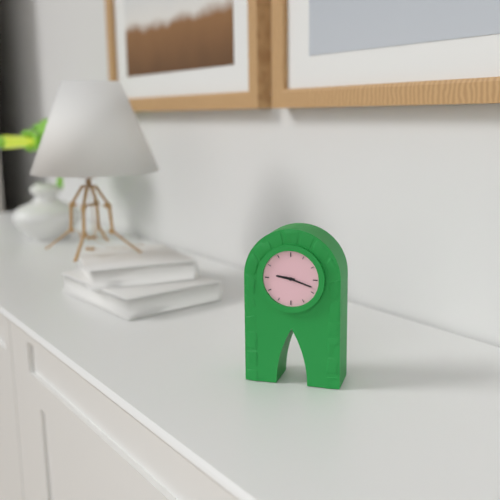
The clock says 9:18
